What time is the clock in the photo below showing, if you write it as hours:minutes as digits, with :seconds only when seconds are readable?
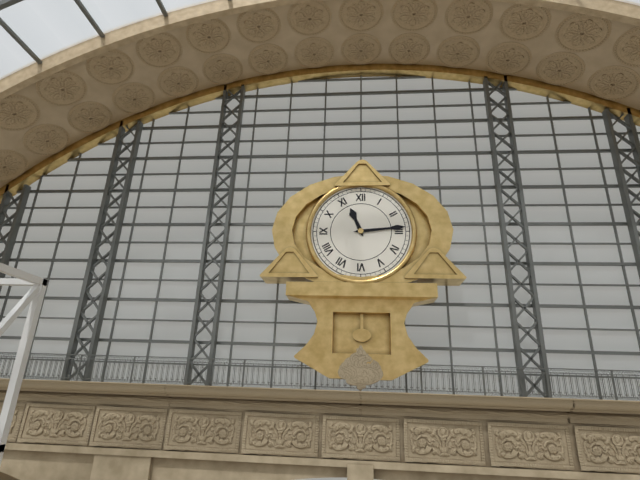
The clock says 11:14
